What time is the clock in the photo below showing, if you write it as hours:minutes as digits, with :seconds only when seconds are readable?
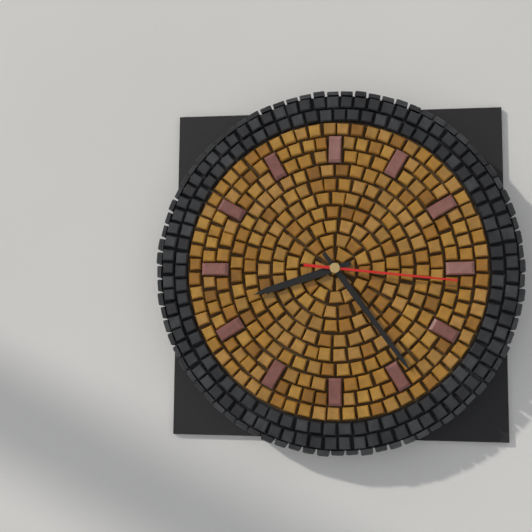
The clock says 8:24:16
